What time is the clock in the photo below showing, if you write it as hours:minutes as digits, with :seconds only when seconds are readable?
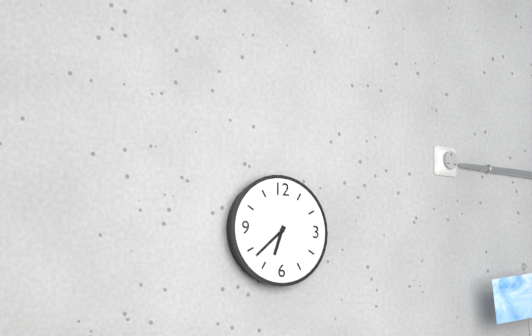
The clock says 6:38
